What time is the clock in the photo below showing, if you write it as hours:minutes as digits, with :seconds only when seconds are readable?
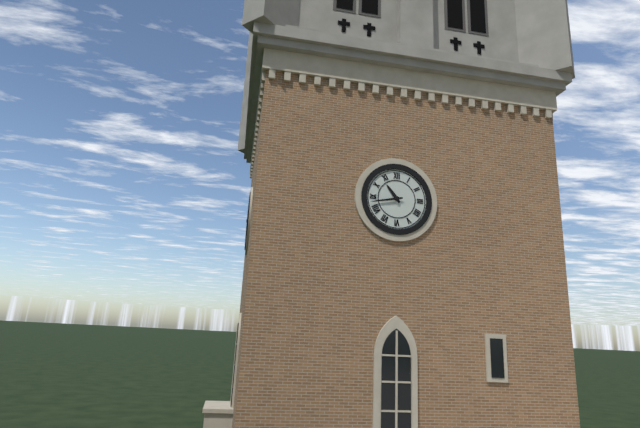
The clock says 10:43
